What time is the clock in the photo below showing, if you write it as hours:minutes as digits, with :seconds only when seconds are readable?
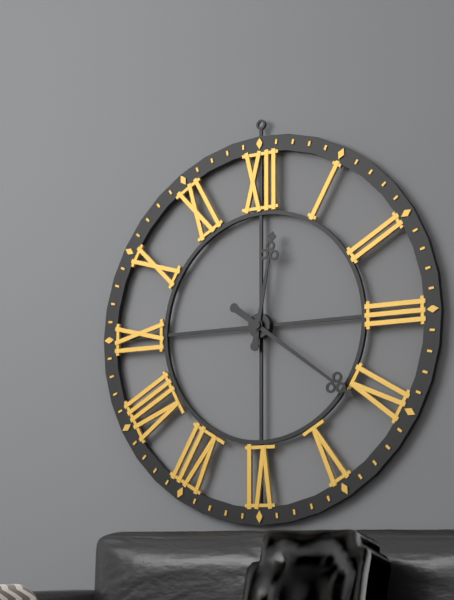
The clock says 12:21
